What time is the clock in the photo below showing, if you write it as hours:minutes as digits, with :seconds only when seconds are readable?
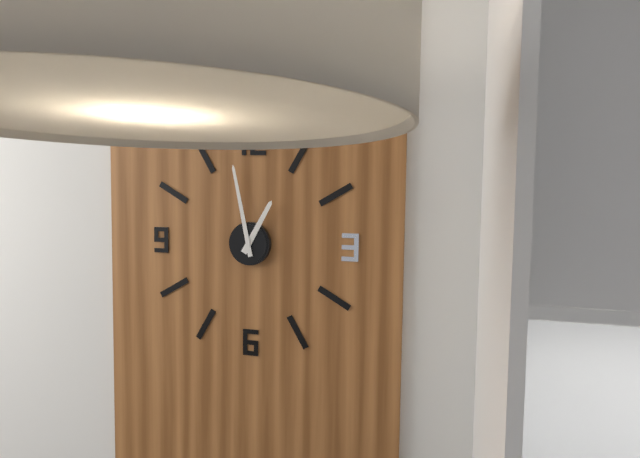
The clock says 12:58
